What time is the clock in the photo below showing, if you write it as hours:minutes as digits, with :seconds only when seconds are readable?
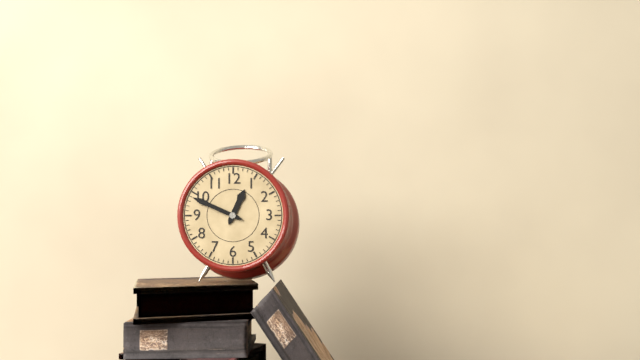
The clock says 12:49
